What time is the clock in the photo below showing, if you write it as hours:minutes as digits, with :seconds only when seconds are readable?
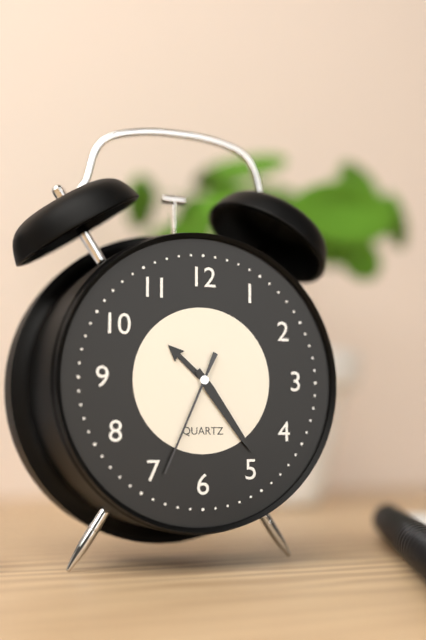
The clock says 10:24:34
